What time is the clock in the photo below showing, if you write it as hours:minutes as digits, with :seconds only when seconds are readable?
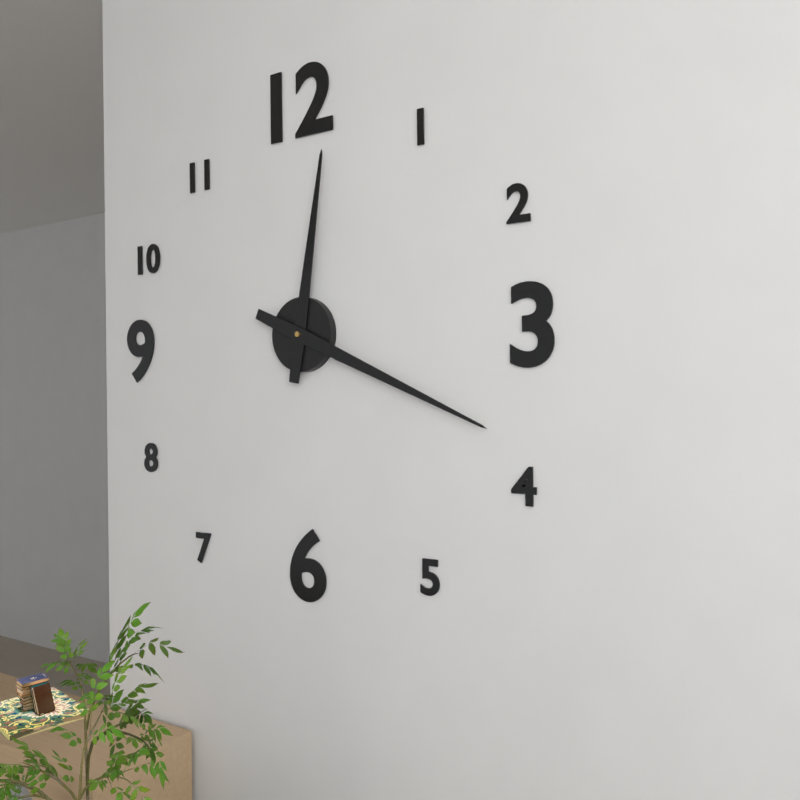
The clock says 12:19
